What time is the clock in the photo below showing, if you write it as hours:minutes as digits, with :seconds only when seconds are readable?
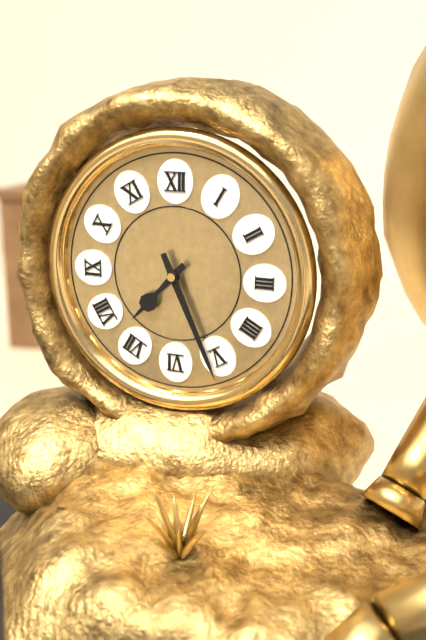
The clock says 7:26
